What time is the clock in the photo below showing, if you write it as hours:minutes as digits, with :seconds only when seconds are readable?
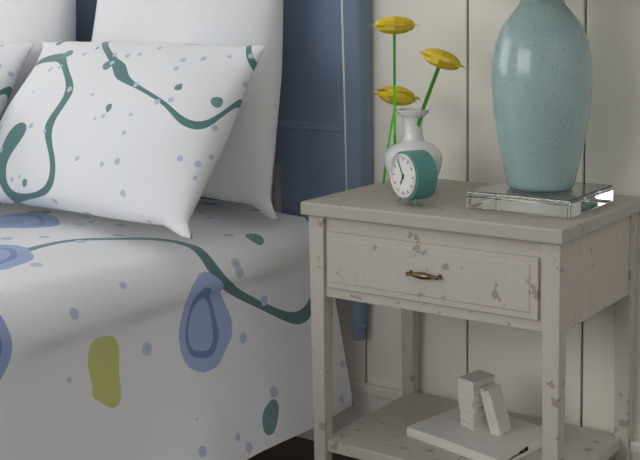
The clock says 6:55
